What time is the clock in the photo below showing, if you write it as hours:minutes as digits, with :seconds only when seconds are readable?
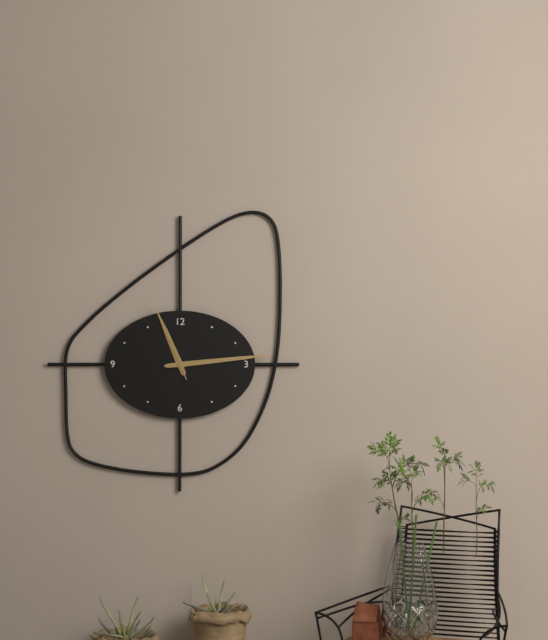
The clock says 11:14:56
